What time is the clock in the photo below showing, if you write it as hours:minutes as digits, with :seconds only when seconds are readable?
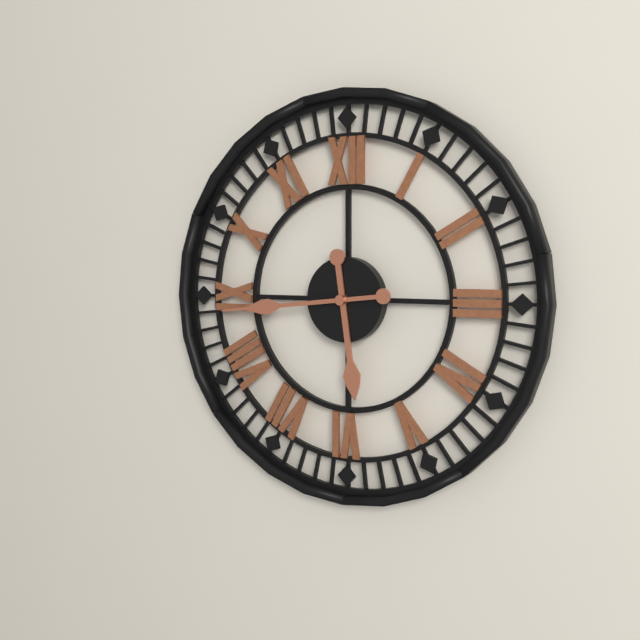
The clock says 5:44
